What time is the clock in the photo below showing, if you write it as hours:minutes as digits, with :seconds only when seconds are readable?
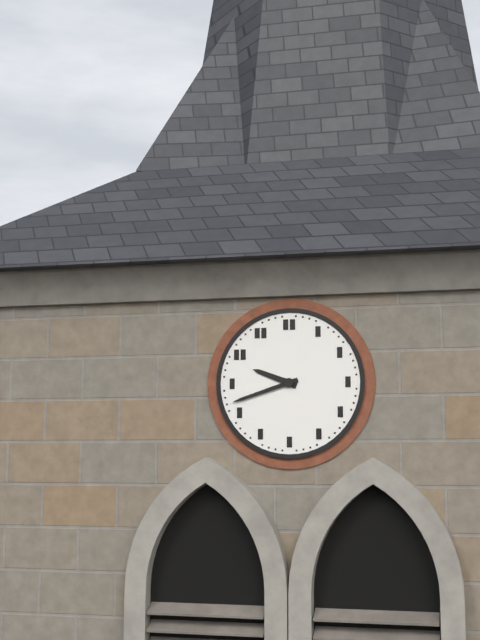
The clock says 9:42
